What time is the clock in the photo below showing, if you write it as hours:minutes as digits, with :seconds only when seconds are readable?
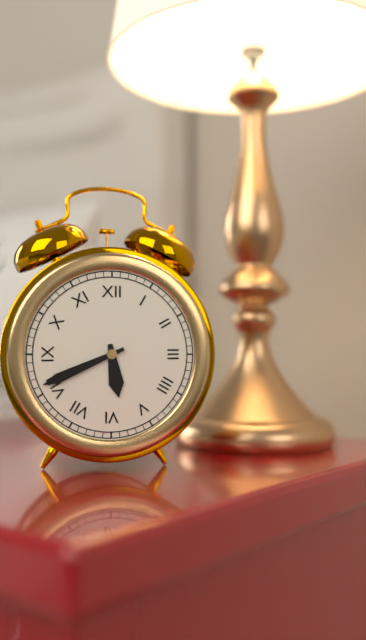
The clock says 5:41
